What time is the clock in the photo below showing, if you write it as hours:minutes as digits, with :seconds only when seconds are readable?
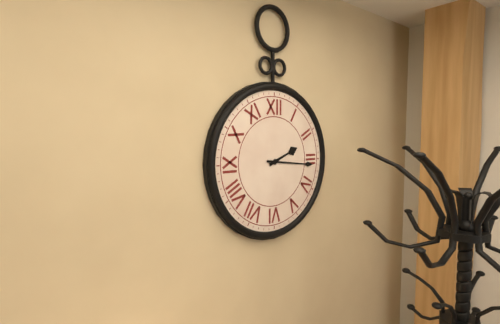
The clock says 2:16
